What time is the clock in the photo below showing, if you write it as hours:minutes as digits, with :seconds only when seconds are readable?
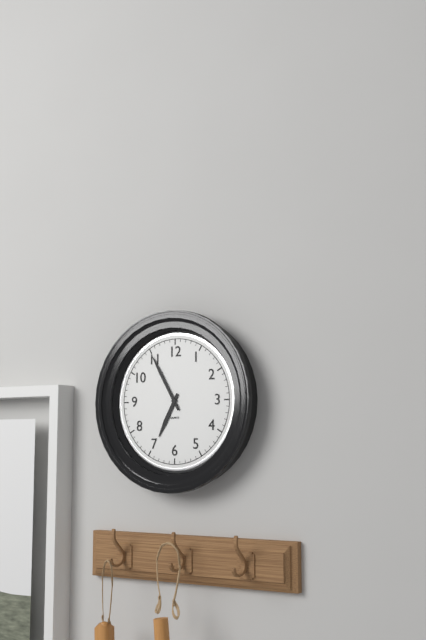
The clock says 6:55
